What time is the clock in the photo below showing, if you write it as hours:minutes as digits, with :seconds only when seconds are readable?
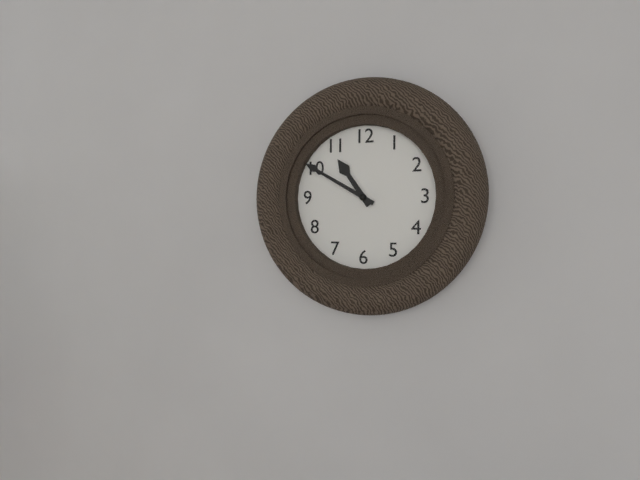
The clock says 10:50
